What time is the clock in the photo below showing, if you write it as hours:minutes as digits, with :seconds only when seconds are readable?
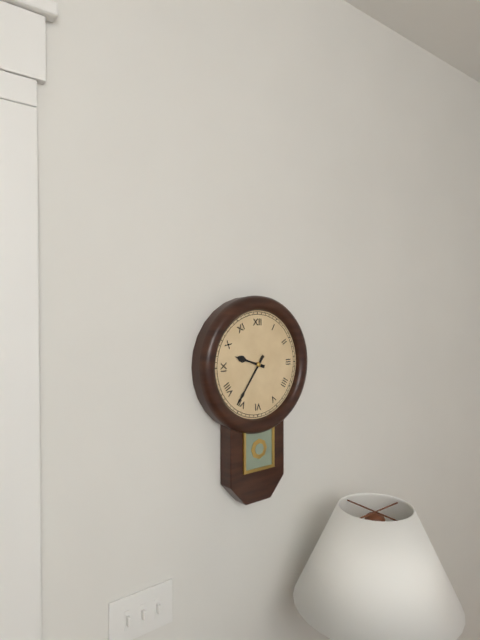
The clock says 9:36
